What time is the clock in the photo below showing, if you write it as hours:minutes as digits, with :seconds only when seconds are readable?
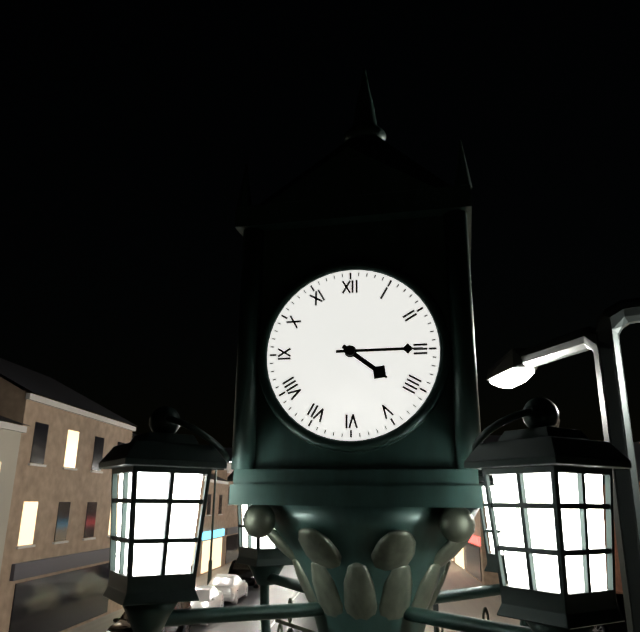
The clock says 4:15
